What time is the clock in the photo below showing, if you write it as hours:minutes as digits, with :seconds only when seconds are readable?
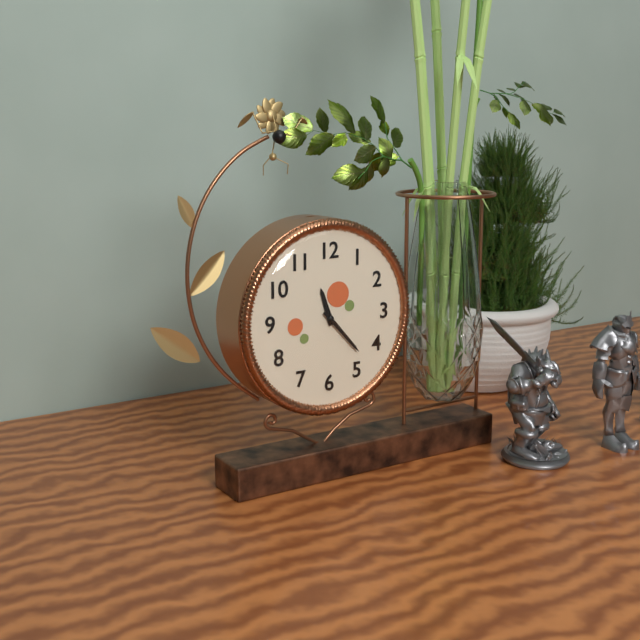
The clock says 11:23
